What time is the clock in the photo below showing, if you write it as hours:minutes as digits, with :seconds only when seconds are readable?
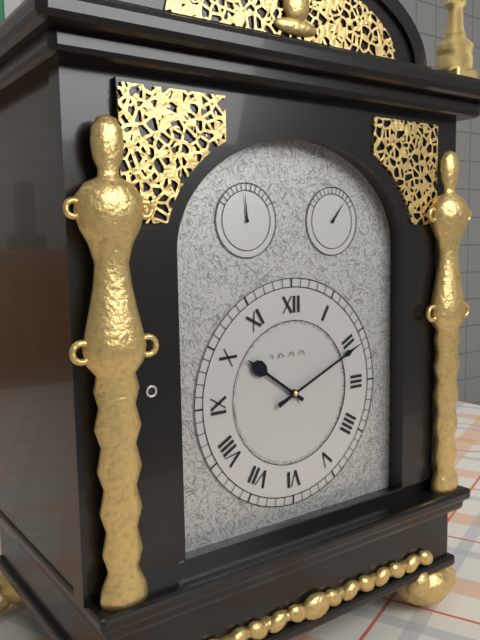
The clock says 10:11
